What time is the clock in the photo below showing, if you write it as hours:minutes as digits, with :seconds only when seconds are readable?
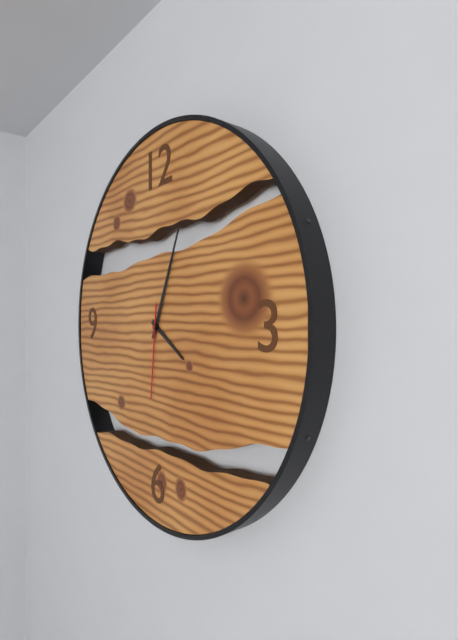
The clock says 4:04:31
